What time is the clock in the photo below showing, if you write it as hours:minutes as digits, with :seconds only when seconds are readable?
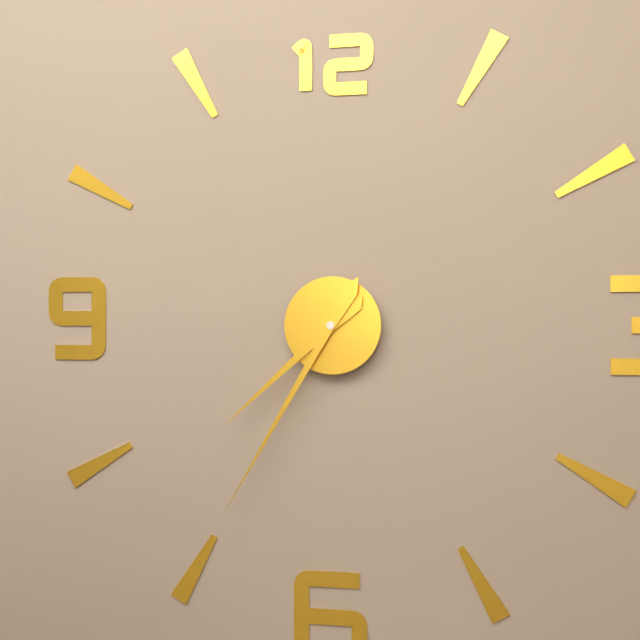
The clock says 7:35
